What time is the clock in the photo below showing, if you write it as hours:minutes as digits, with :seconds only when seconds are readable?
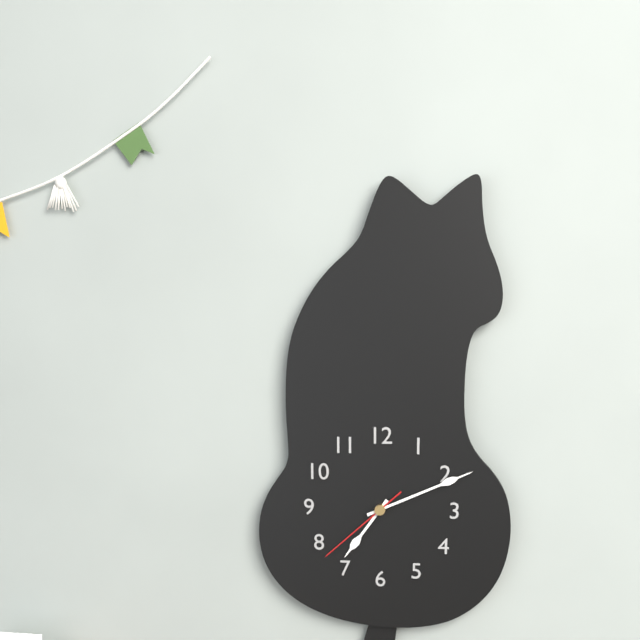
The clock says 7:11:38
